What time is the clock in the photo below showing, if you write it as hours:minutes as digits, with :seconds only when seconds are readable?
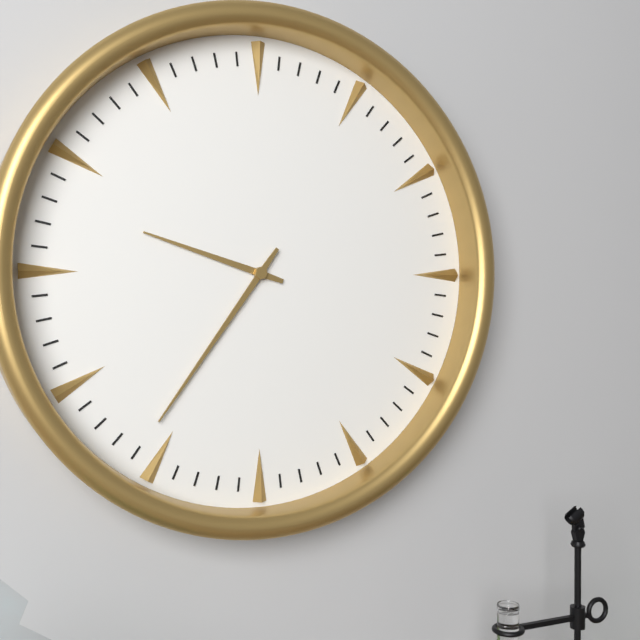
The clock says 9:36
